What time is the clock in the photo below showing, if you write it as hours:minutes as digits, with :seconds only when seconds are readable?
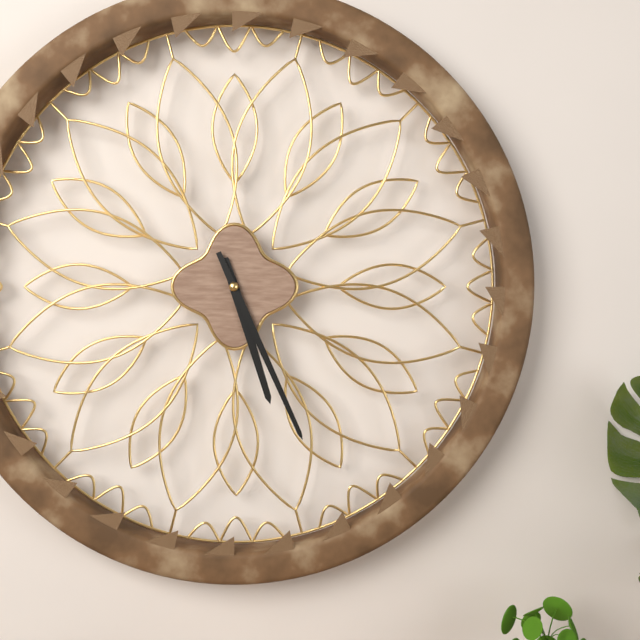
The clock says 5:26
